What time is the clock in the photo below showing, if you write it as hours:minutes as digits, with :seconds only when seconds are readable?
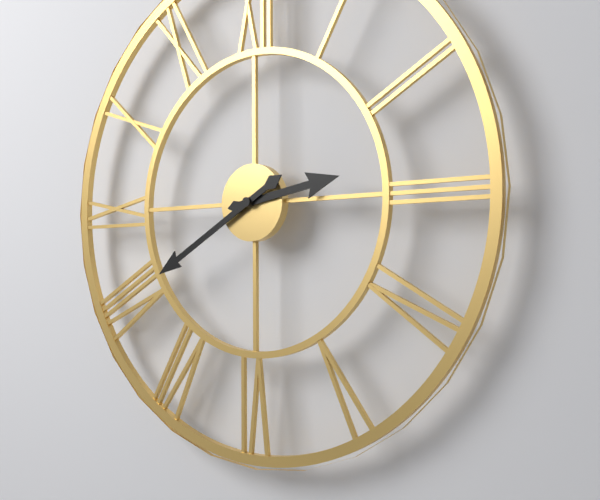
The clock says 2:40
